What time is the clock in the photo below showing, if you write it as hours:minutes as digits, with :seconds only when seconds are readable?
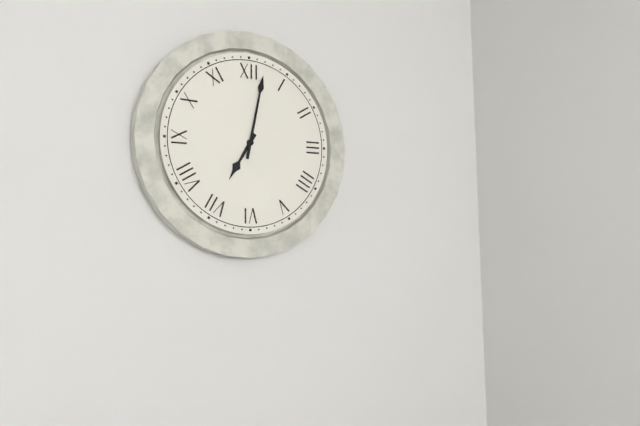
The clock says 7:02
